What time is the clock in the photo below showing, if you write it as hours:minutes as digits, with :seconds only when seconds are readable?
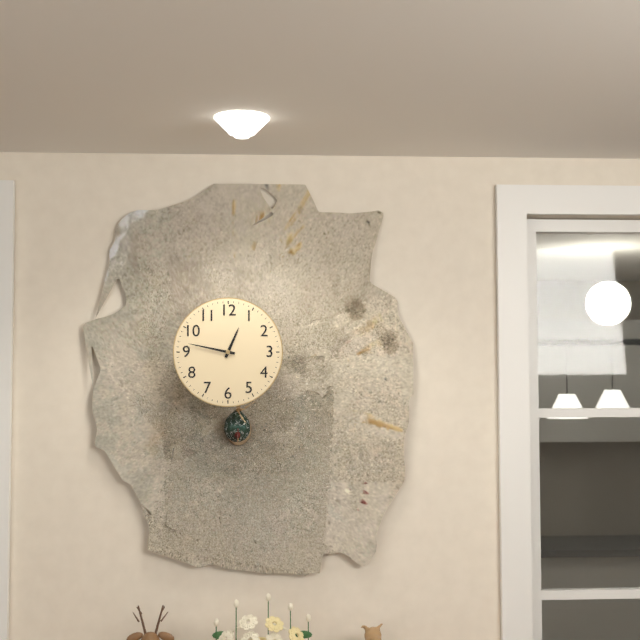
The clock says 12:47
